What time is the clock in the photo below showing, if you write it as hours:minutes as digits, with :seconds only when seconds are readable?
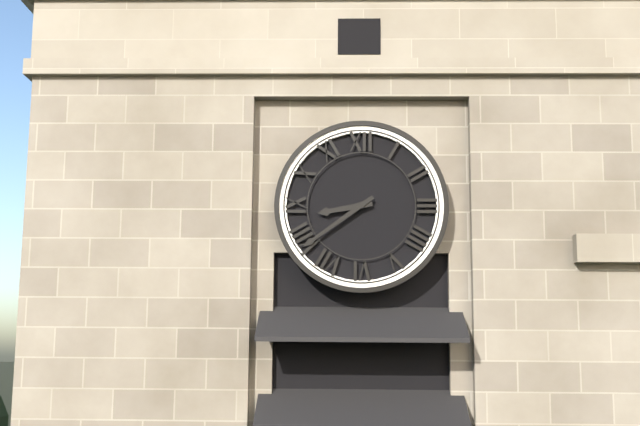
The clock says 8:39
